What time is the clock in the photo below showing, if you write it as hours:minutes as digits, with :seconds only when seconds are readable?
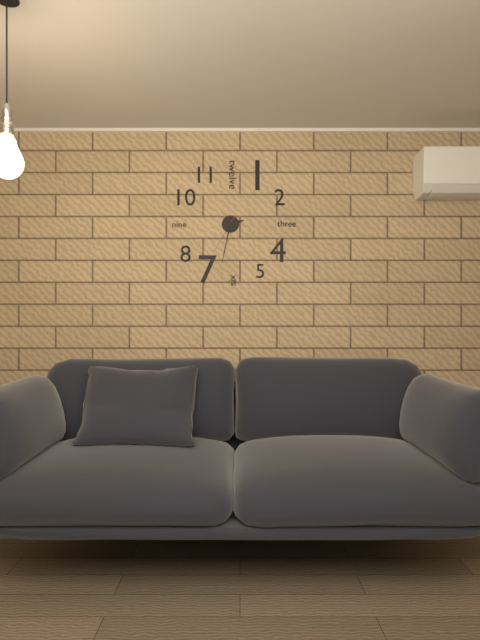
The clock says 2:32
